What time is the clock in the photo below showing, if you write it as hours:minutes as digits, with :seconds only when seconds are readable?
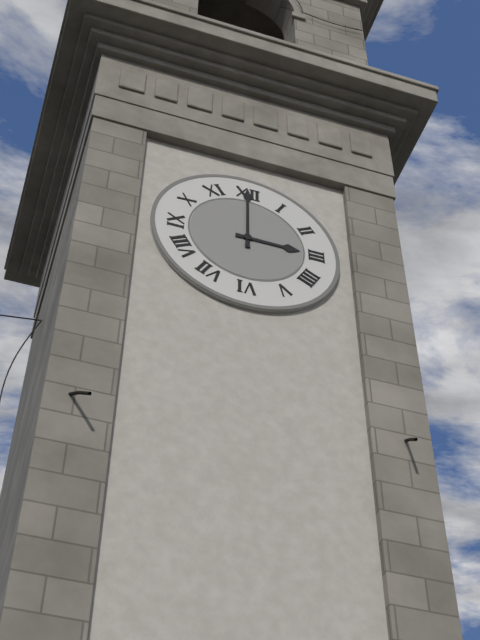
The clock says 3:00
